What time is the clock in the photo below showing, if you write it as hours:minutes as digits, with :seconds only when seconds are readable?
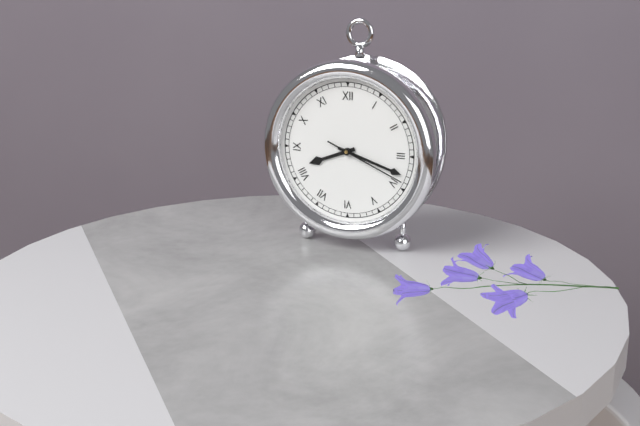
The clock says 8:18:19
